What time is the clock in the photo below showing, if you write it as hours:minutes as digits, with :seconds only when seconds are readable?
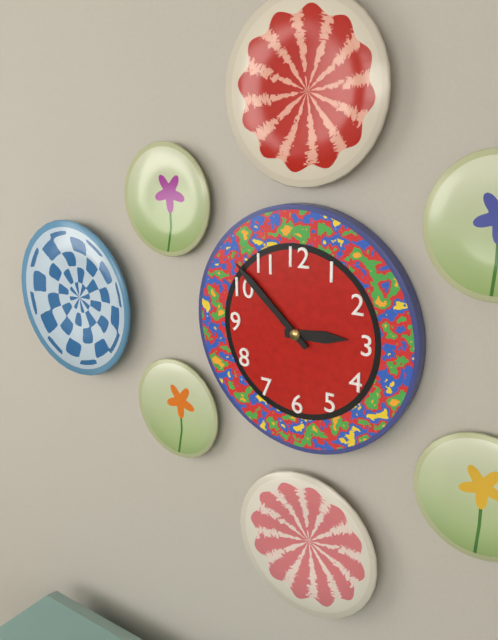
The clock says 2:52
